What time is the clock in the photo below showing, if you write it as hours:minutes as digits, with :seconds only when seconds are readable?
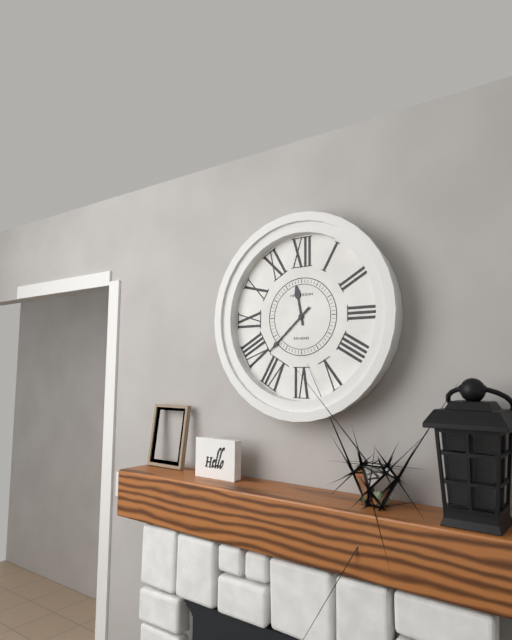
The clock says 11:38
